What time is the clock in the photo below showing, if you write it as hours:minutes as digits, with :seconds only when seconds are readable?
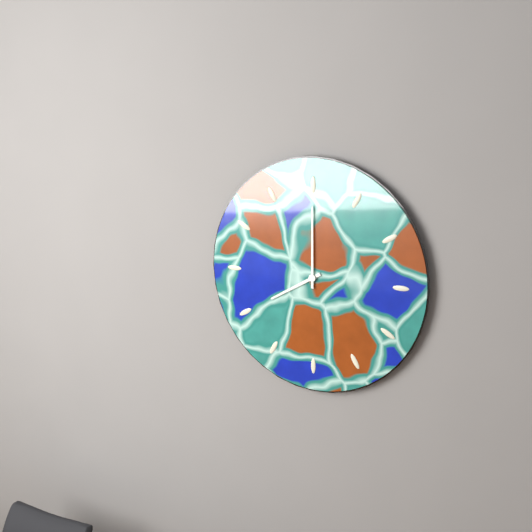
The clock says 8:00
